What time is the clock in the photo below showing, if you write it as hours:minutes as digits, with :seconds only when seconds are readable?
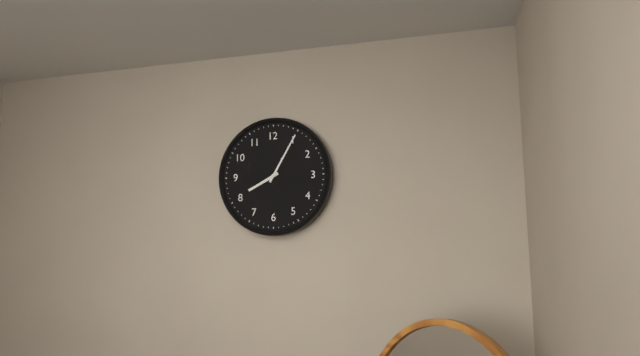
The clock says 8:05
